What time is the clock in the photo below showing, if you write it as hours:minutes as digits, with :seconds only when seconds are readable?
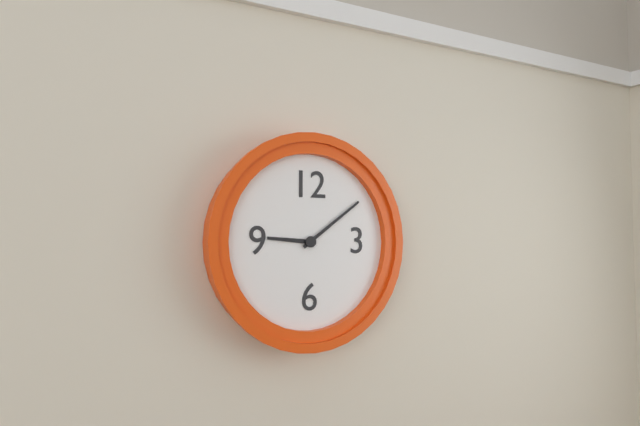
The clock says 9:09
